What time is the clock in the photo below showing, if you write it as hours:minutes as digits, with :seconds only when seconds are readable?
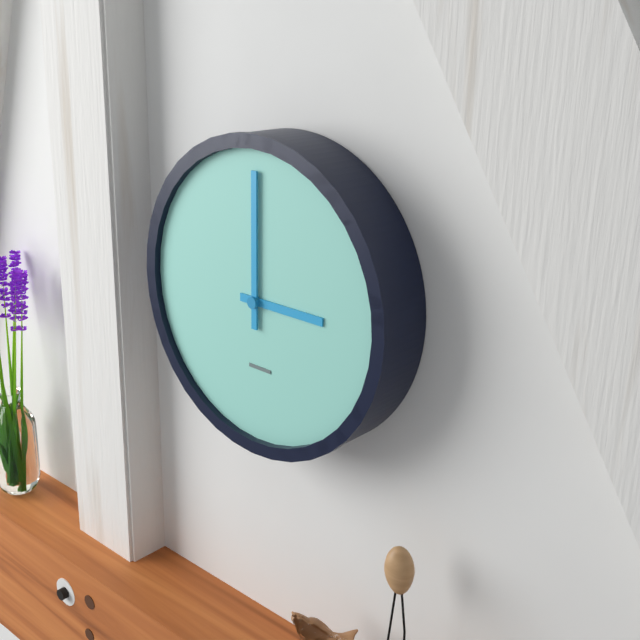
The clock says 3:00
